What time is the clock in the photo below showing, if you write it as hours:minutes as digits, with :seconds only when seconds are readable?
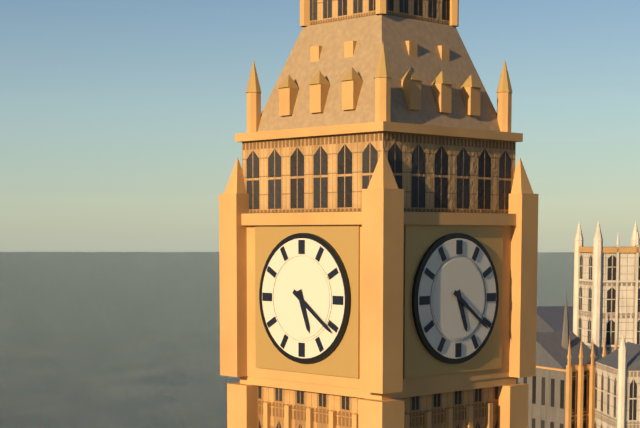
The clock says 5:21
